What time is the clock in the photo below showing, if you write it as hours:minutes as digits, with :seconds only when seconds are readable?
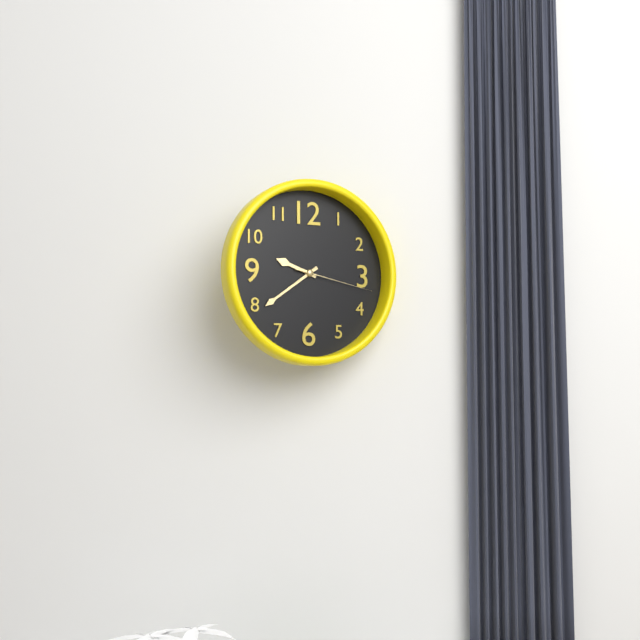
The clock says 9:39:17
